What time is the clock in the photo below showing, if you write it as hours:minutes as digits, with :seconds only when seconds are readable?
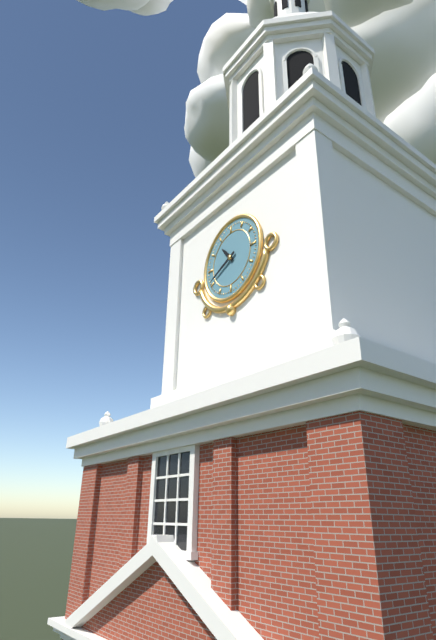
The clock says 10:41
